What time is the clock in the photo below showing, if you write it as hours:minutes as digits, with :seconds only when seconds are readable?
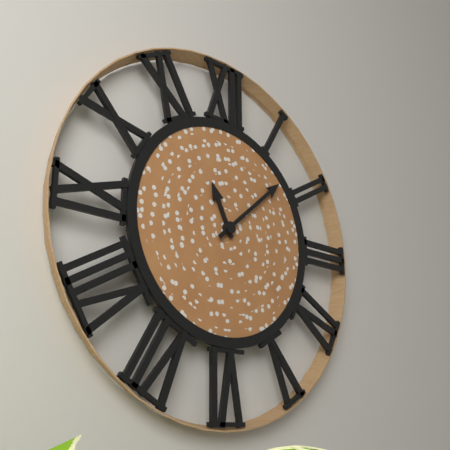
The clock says 11:08
